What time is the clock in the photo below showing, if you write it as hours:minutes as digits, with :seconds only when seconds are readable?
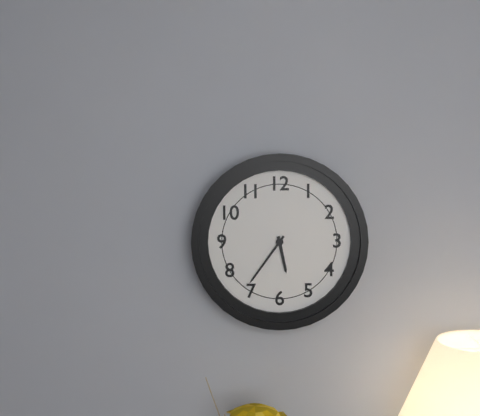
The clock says 5:36
